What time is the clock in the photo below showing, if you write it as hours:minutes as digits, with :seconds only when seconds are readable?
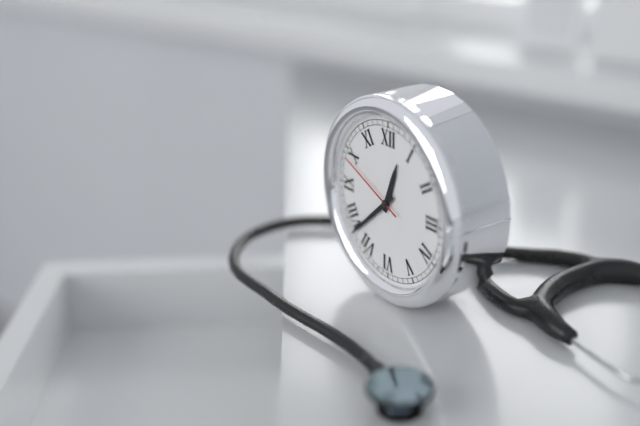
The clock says 12:38:49
